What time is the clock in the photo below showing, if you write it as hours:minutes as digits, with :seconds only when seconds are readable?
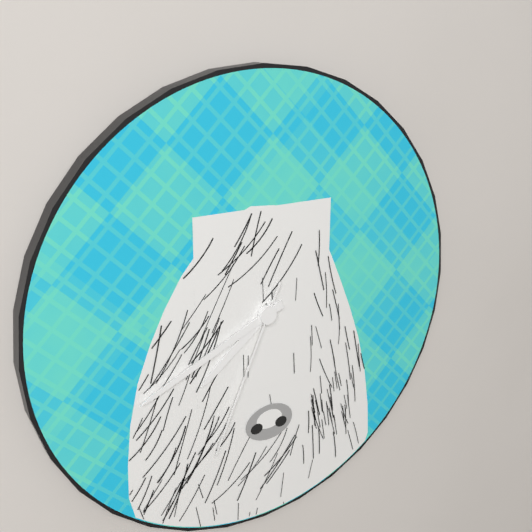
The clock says 7:41:34
